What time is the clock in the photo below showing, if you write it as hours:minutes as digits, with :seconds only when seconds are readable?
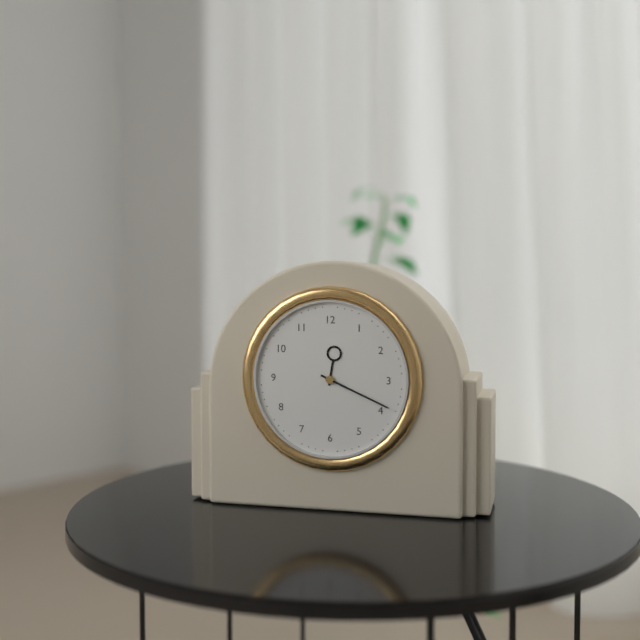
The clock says 12:19
